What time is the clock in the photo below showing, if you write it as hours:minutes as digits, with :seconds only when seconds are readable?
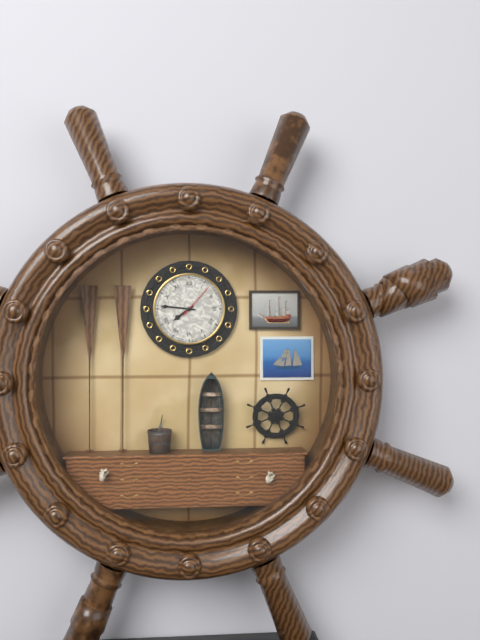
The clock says 7:46
